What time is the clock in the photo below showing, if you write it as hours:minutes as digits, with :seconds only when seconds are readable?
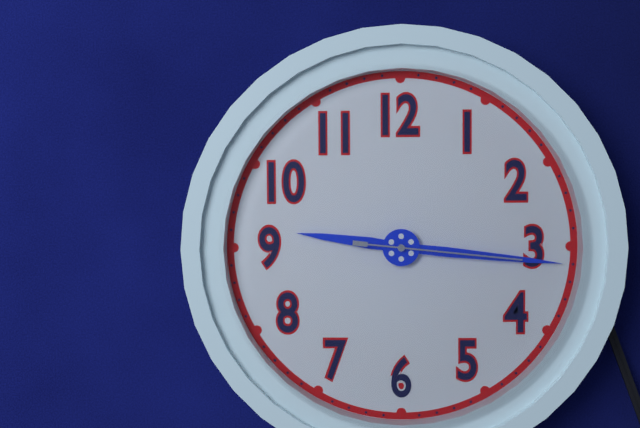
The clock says 9:16:16
